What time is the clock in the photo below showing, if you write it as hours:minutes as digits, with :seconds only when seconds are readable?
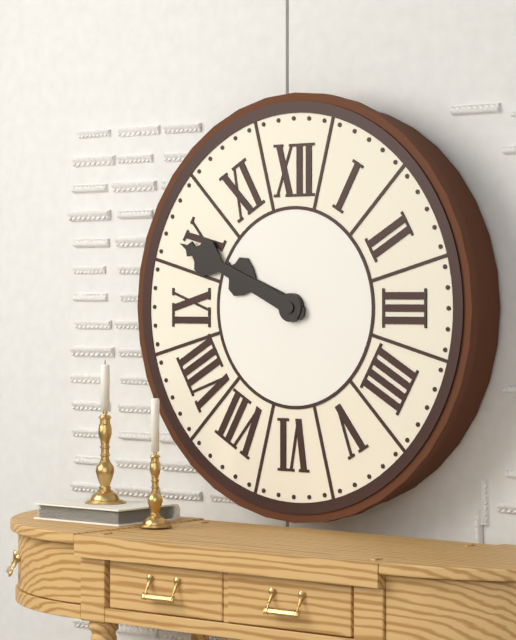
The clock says 9:49
